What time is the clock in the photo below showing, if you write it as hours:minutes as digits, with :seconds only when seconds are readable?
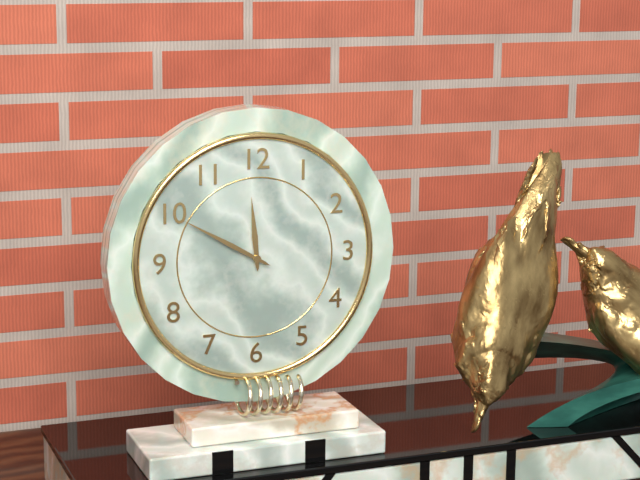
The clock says 11:50
